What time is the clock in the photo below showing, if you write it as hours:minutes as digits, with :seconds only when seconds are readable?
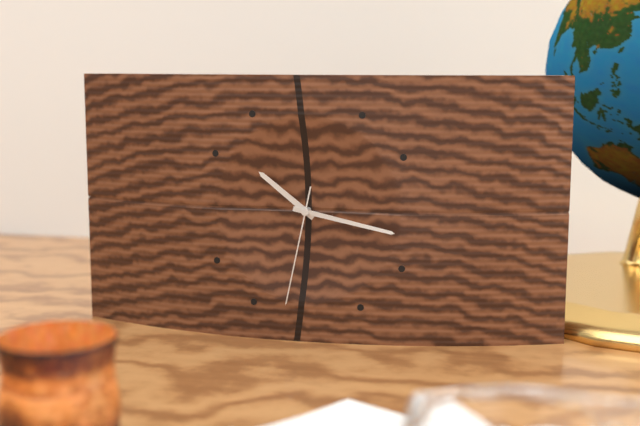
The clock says 10:17:32
